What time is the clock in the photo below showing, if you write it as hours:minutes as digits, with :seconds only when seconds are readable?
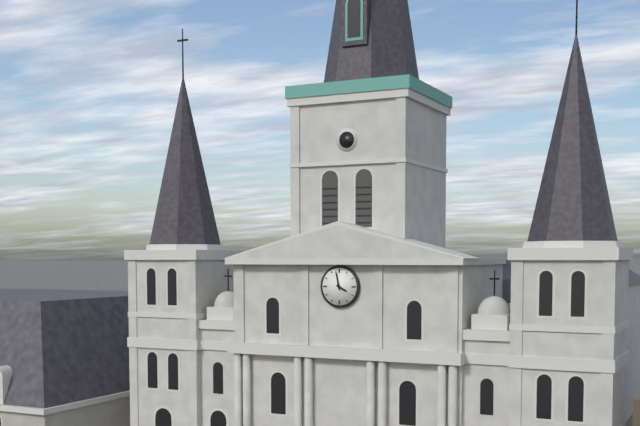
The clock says 3:58
